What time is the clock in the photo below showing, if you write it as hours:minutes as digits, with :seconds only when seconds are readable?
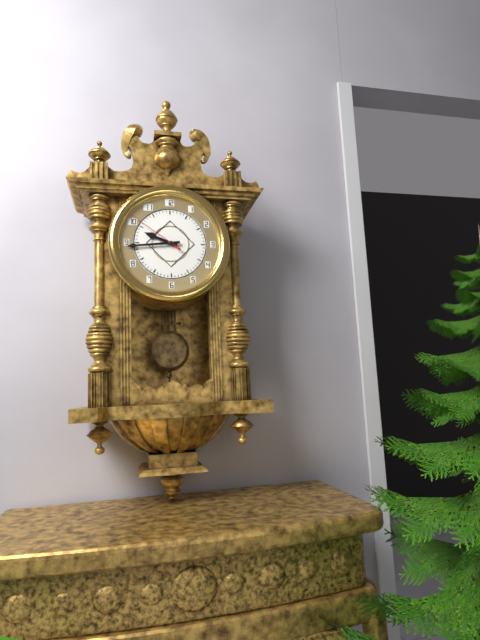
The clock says 9:44:51
